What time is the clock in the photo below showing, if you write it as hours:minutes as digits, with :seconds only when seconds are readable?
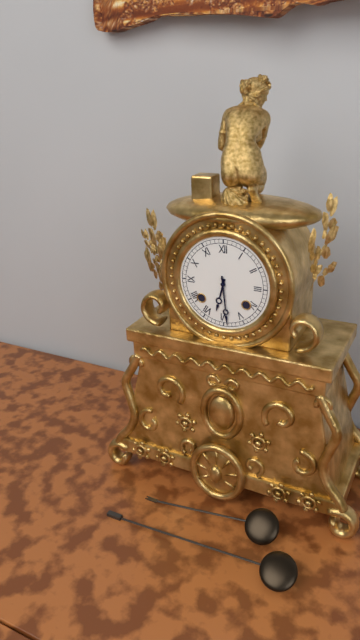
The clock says 6:29
